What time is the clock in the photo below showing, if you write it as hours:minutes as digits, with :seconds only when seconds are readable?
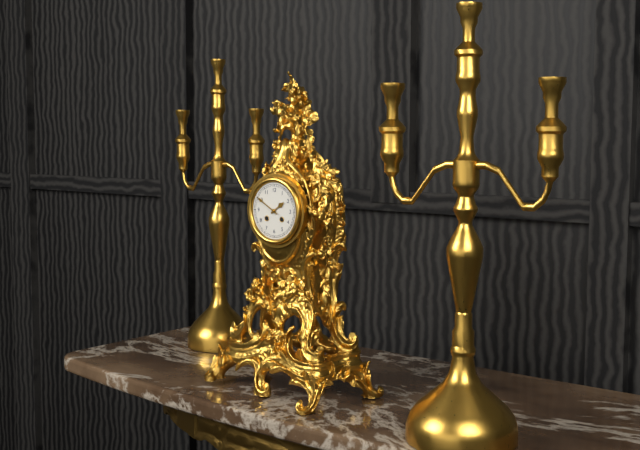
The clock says 1:50
